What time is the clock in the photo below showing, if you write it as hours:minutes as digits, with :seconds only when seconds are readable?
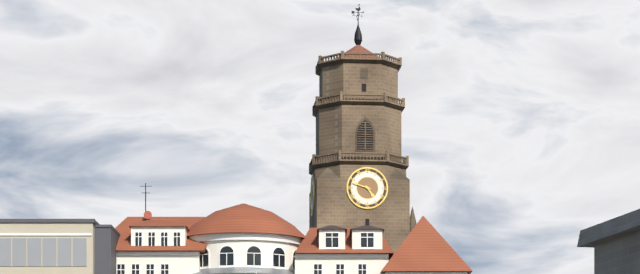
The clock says 4:48
